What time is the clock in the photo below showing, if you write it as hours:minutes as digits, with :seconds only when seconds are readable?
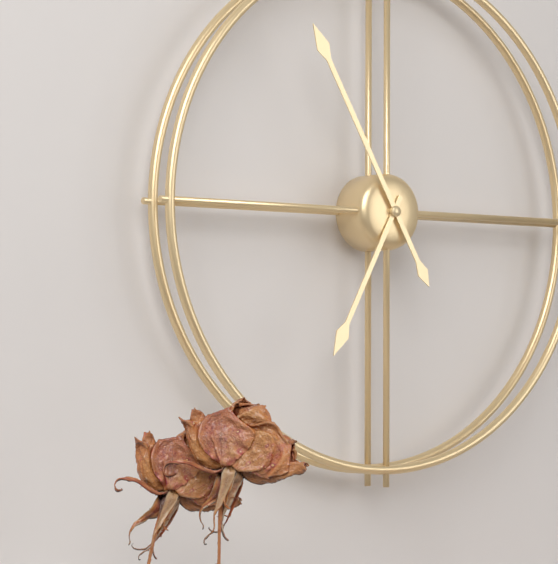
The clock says 6:55
